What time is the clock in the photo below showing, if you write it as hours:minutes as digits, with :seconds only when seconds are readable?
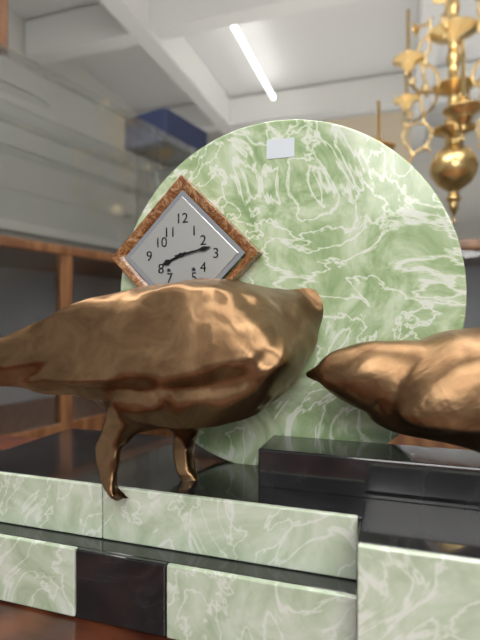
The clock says 8:13
